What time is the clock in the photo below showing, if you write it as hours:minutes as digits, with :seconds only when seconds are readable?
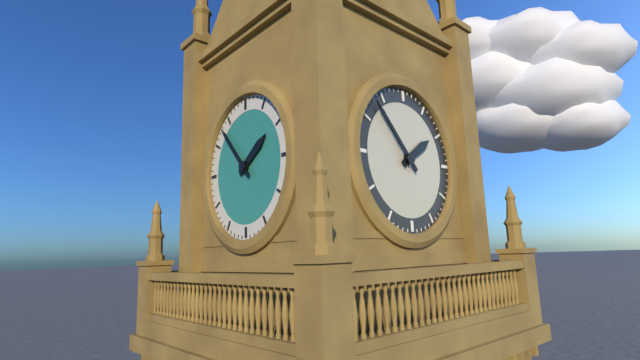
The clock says 1:53
